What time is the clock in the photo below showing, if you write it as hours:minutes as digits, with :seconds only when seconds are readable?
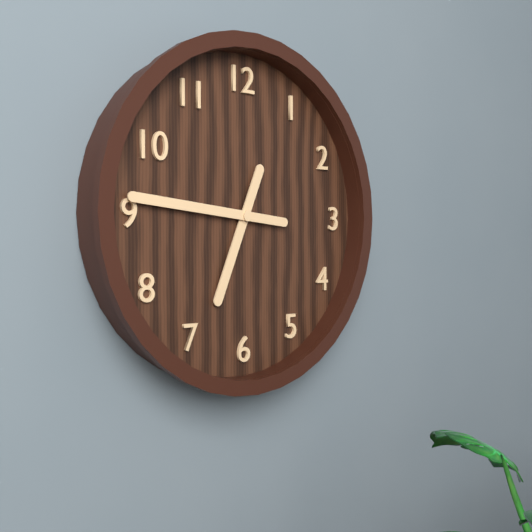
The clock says 6:46
